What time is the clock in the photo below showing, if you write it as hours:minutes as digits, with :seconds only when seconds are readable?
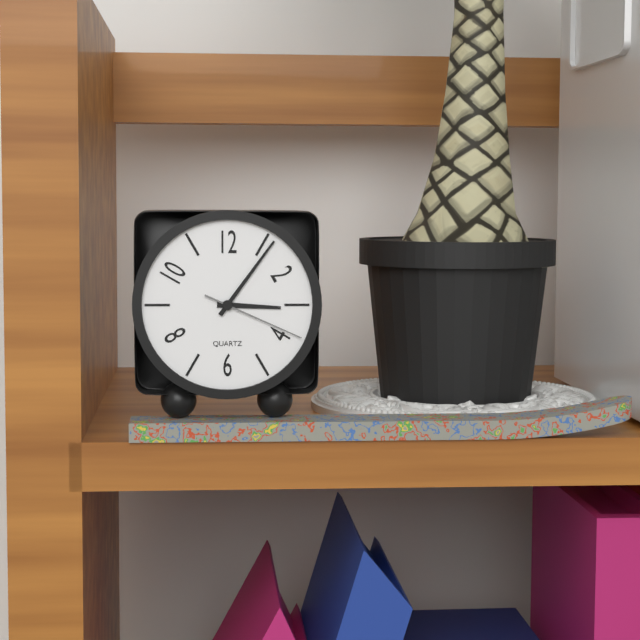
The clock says 3:06:19
